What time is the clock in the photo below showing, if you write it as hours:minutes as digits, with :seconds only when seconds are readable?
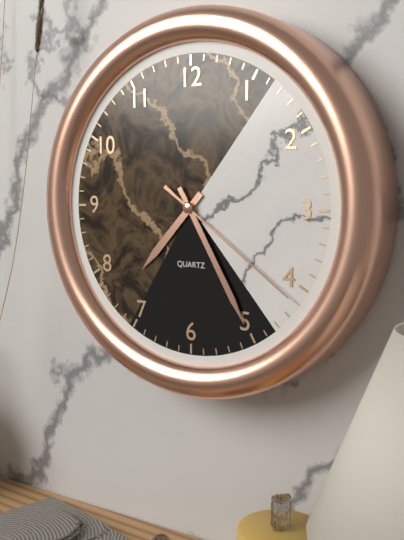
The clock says 7:25:21
